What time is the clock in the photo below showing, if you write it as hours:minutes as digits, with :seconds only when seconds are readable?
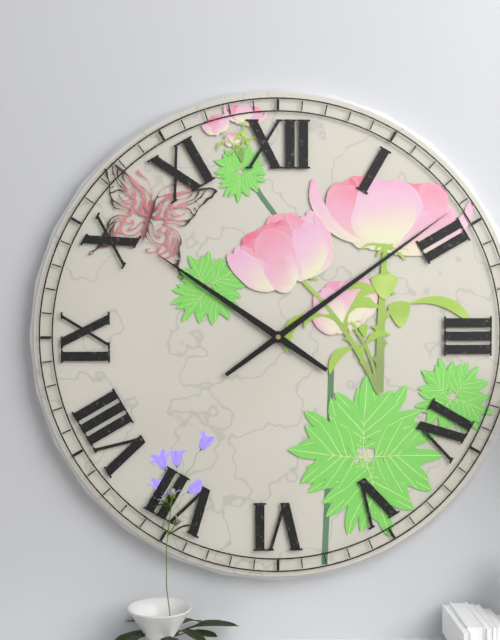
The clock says 10:09
